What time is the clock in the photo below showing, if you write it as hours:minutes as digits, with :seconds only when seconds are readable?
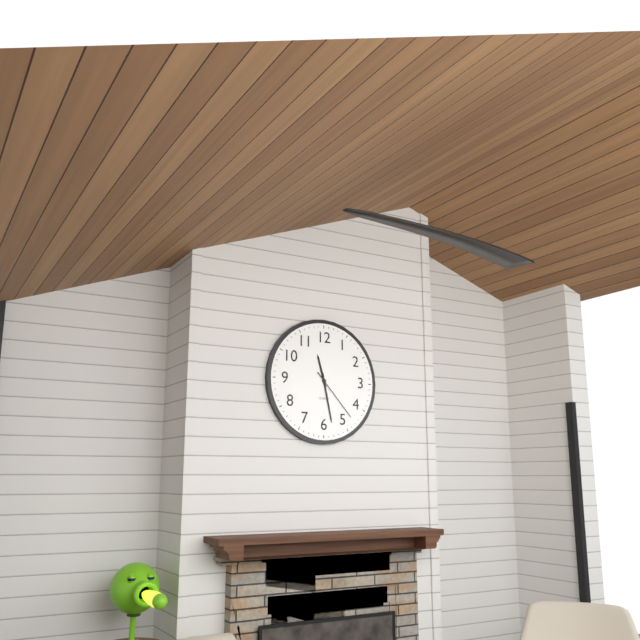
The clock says 11:28:23
